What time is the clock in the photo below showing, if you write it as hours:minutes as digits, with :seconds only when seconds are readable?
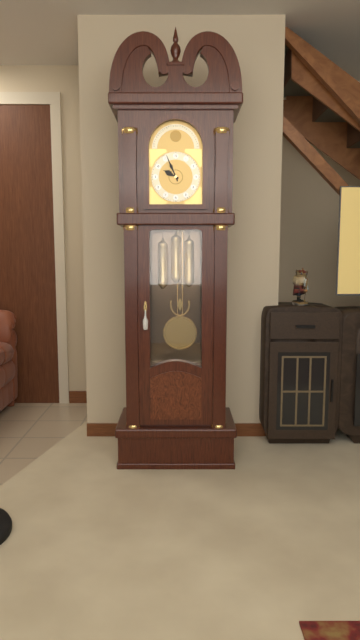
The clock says 9:56
